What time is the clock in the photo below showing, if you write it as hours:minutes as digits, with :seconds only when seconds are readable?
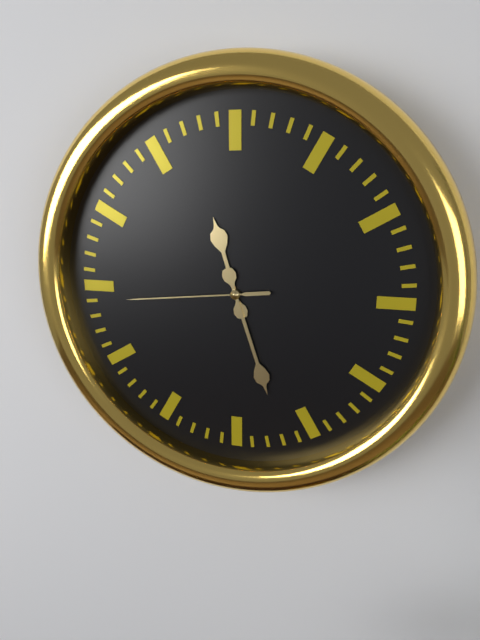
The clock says 11:27:44
